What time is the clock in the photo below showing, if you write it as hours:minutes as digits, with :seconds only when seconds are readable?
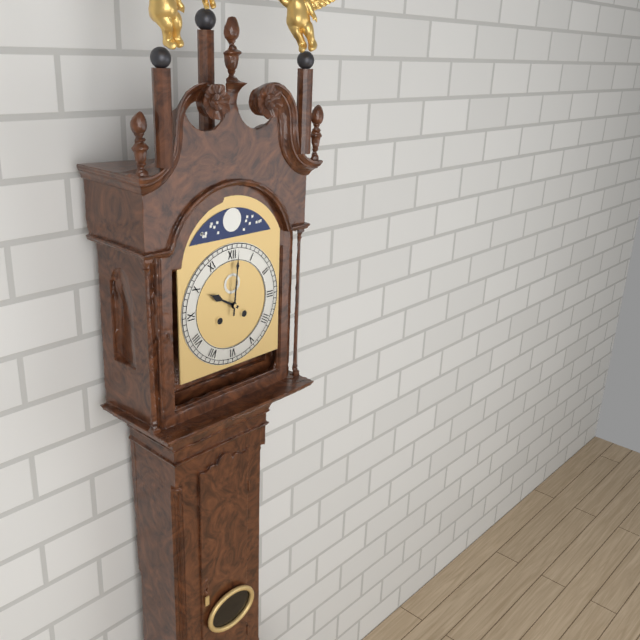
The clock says 10:01
